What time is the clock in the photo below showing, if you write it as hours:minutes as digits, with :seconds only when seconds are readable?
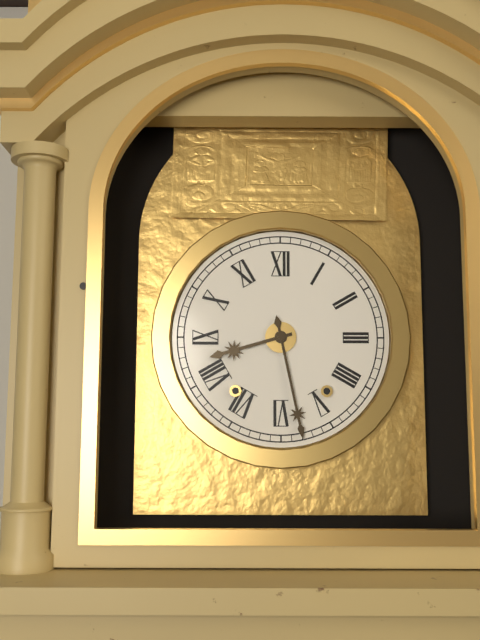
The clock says 8:28
